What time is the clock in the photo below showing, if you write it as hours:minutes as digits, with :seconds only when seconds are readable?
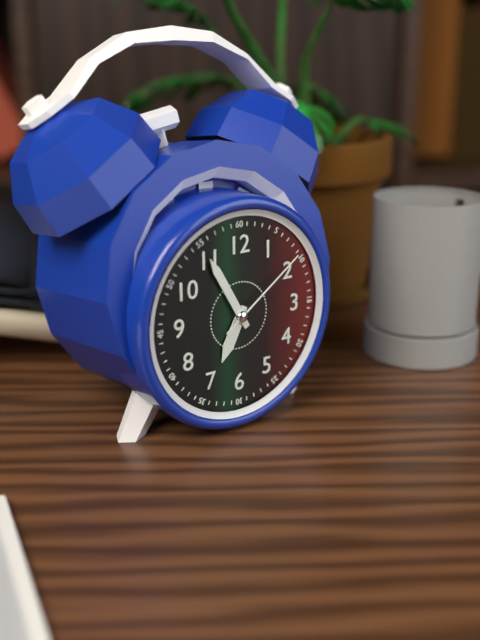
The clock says 6:55:09
